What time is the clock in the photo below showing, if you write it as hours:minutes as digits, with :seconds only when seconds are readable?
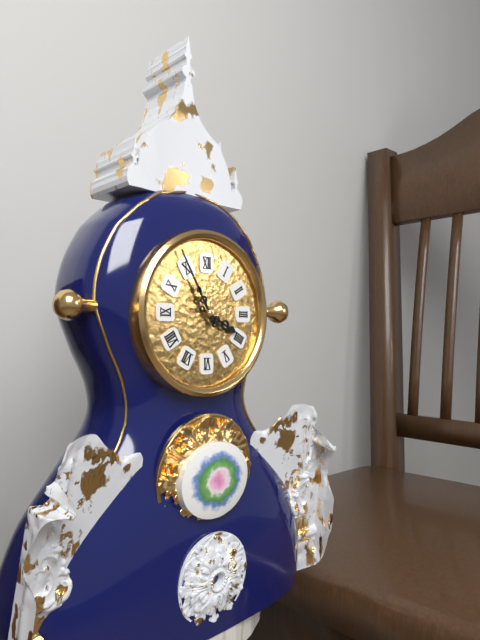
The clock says 3:55
